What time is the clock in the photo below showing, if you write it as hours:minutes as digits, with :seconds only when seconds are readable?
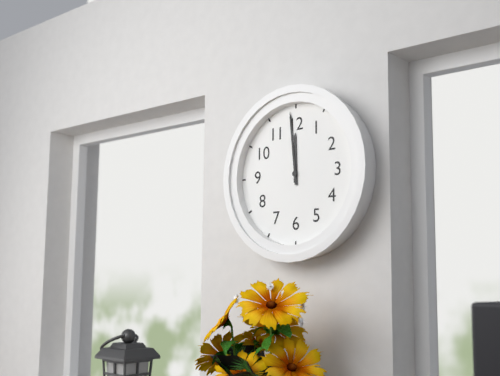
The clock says 11:59
